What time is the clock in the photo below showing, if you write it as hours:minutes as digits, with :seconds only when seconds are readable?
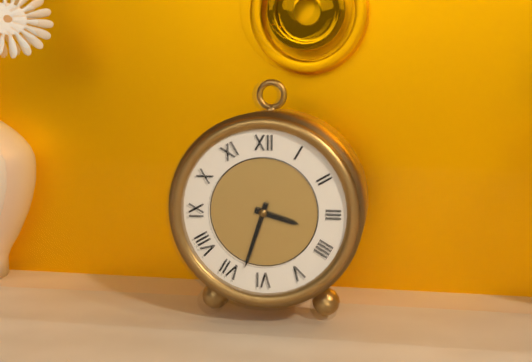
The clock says 3:33
